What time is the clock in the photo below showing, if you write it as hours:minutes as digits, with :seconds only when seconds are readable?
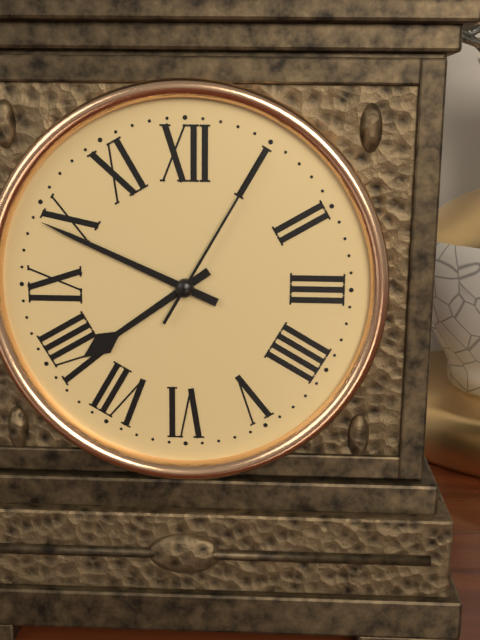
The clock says 7:49:05
